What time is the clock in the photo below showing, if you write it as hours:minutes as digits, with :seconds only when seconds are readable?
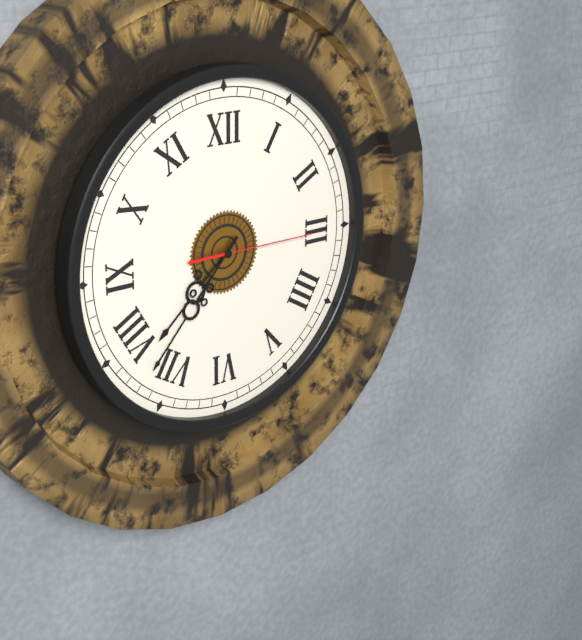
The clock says 7:37:15
